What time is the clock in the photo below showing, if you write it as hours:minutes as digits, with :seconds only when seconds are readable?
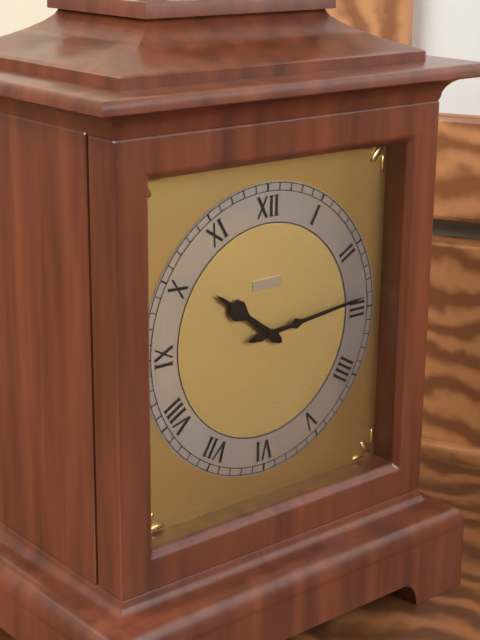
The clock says 10:14
